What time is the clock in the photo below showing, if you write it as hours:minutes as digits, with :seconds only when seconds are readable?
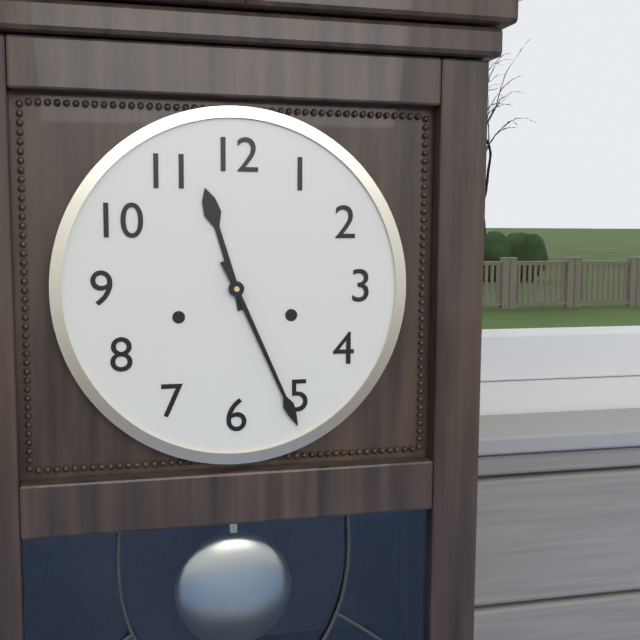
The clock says 11:26
